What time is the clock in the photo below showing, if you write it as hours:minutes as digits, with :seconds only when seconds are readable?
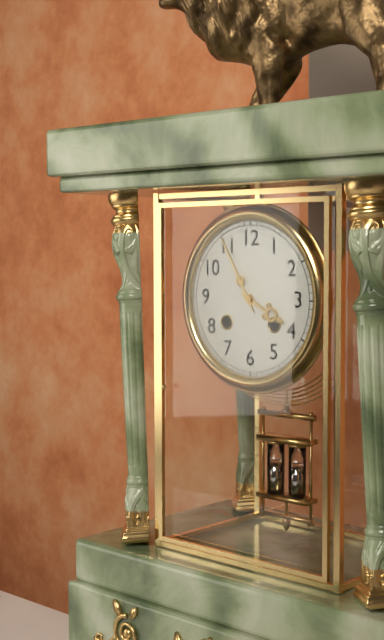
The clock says 3:55
